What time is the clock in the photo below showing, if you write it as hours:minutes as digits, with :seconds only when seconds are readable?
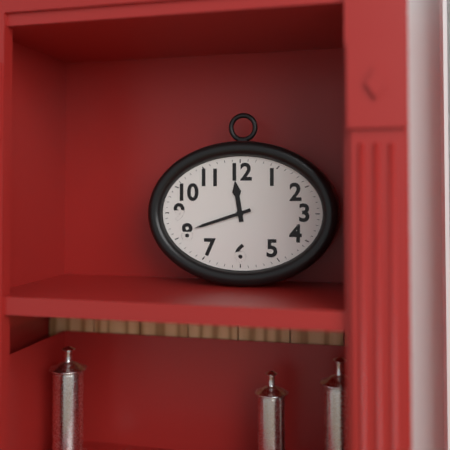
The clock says 11:42
